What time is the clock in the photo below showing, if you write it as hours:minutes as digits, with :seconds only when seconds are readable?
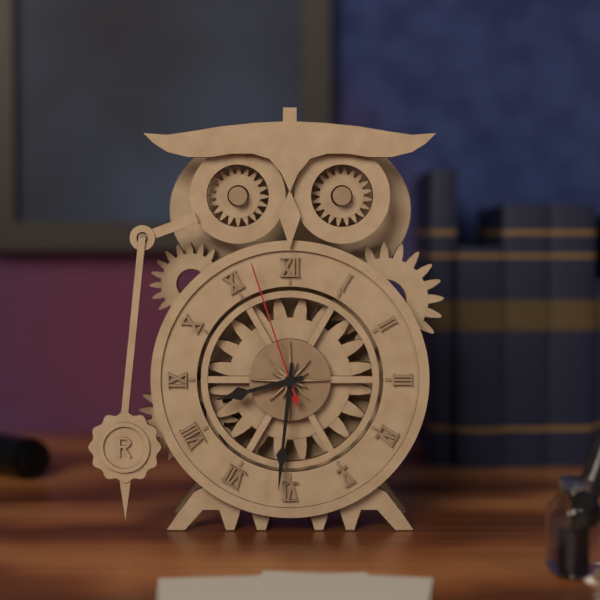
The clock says 8:31:57
